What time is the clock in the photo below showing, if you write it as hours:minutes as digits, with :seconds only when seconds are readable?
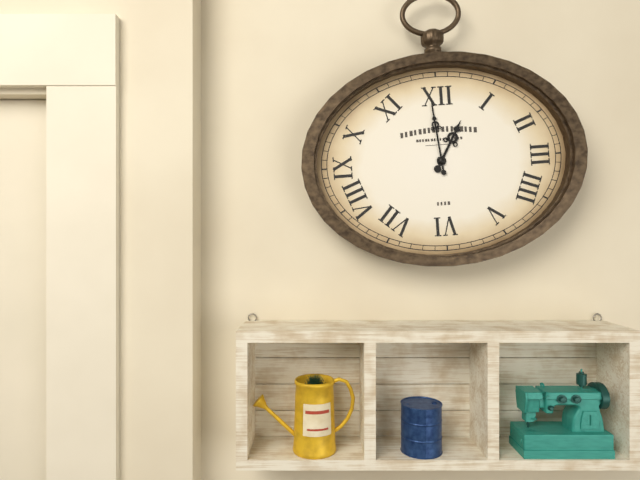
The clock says 12:59
